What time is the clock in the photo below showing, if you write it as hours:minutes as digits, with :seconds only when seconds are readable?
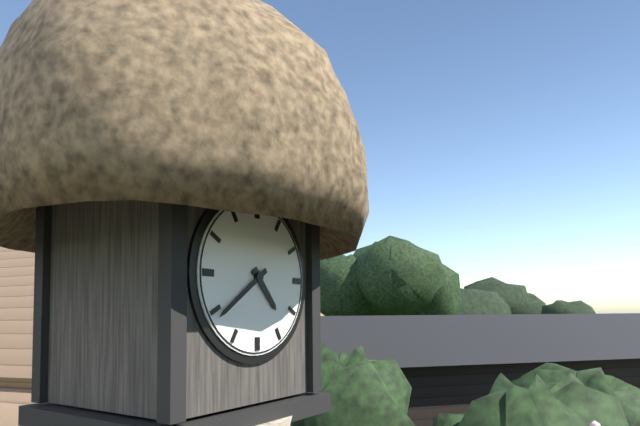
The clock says 4:39
